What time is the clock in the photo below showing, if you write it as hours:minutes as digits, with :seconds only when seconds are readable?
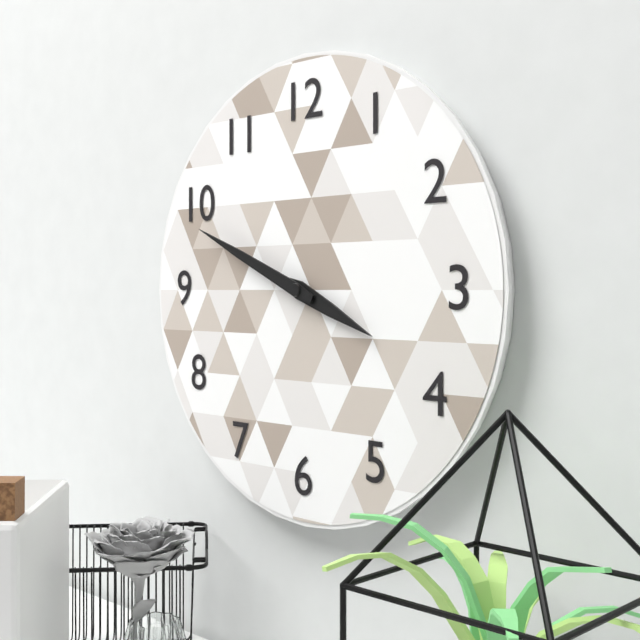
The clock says 3:49
